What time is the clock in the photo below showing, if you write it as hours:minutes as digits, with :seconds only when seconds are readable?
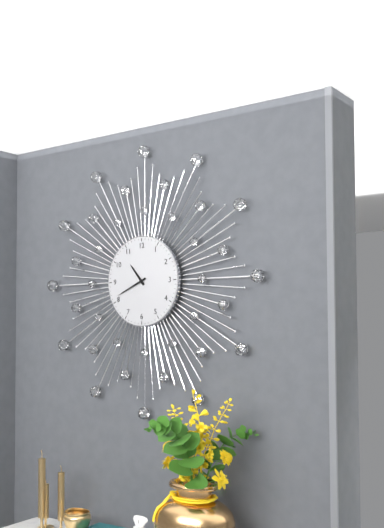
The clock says 10:41
